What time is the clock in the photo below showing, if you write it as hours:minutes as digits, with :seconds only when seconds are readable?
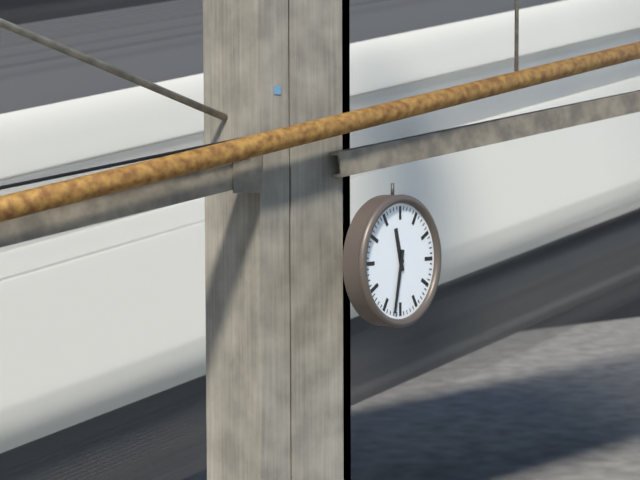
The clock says 11:32
